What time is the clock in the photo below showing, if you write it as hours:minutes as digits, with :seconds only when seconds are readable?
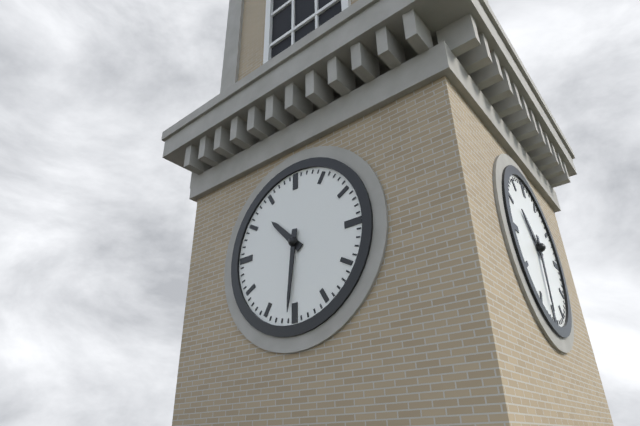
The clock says 10:31
